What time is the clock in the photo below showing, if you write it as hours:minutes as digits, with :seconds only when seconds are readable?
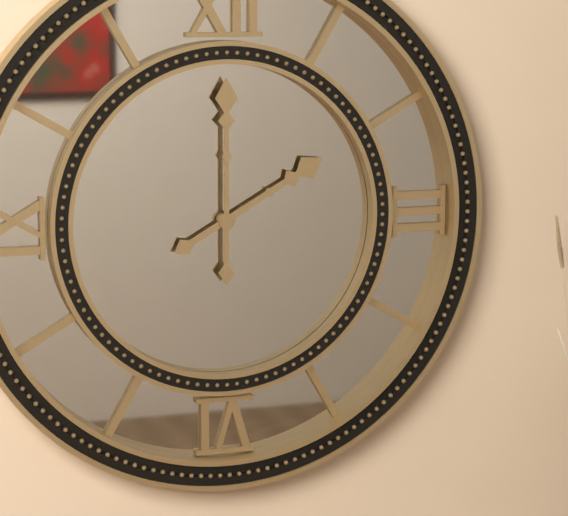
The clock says 2:00
